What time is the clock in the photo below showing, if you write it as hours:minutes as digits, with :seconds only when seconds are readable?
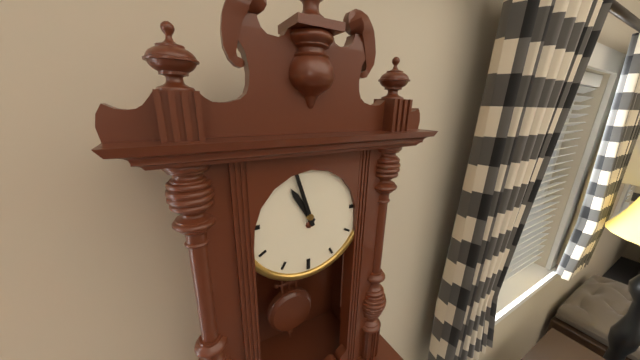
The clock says 10:57
